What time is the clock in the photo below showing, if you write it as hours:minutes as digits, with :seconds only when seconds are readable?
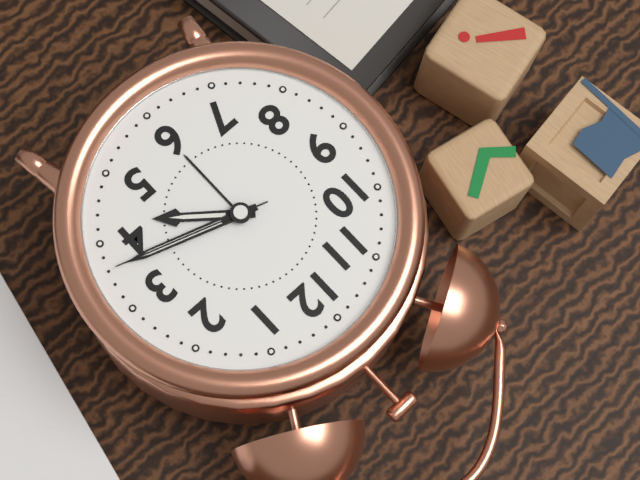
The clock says 4:18:18
